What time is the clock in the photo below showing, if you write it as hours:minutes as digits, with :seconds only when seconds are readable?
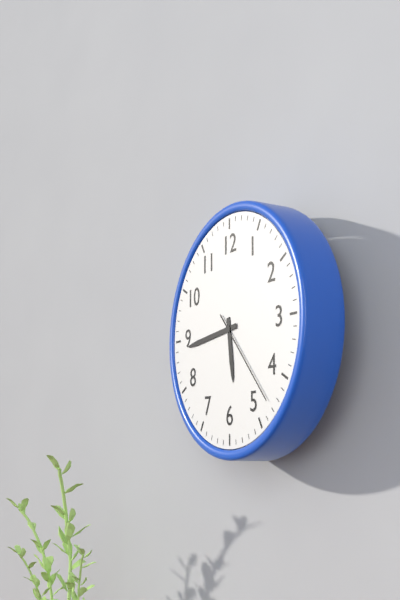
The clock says 5:44:23
